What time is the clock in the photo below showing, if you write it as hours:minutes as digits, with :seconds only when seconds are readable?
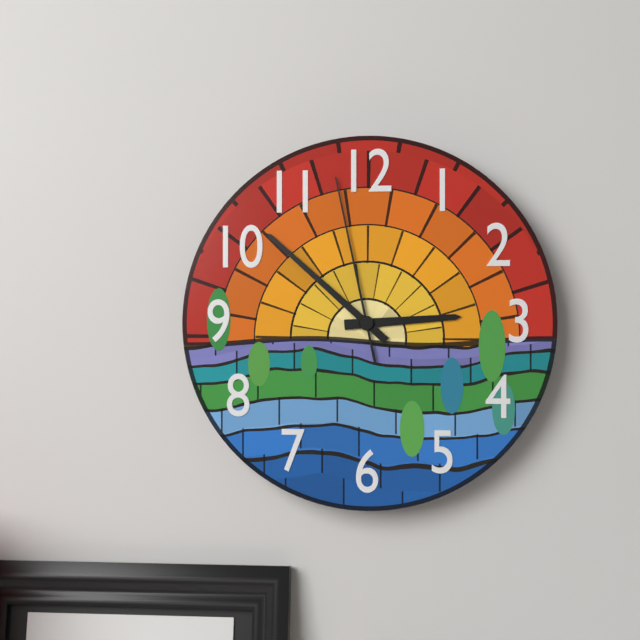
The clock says 2:52:58
